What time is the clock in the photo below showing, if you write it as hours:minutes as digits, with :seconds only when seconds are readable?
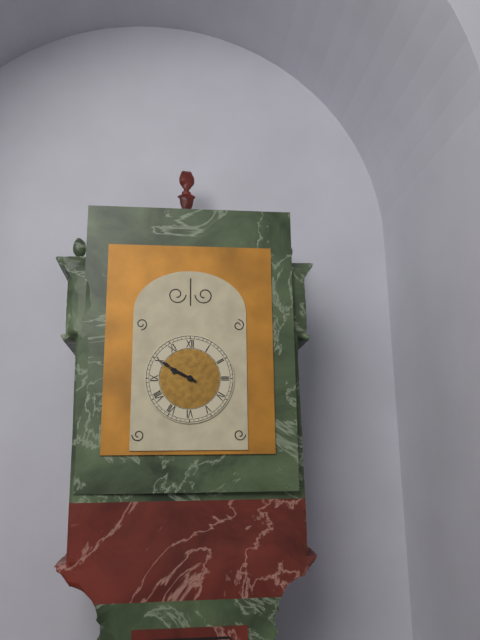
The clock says 9:50
